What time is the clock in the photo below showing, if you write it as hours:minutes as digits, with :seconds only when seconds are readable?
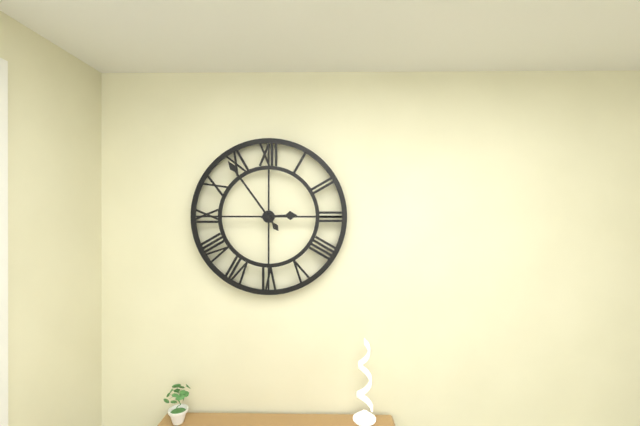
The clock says 2:54
